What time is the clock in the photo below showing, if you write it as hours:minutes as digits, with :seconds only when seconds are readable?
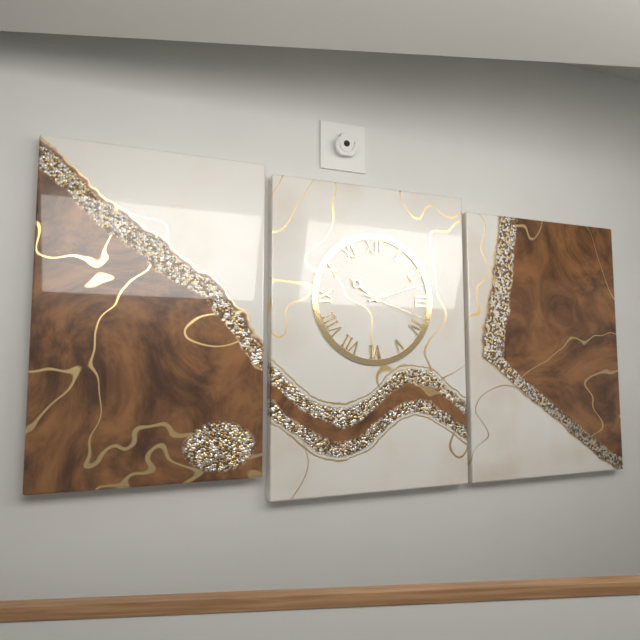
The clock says 10:12:18
